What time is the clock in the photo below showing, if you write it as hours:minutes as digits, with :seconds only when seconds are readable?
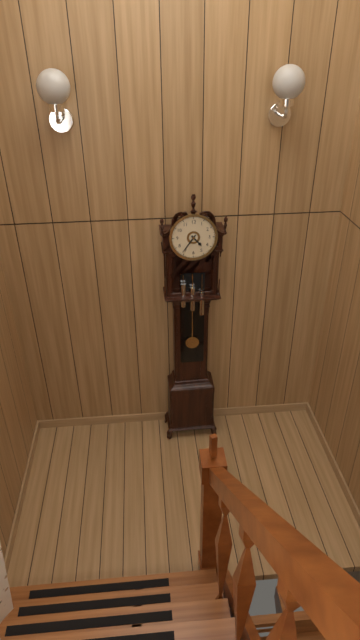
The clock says 4:36
